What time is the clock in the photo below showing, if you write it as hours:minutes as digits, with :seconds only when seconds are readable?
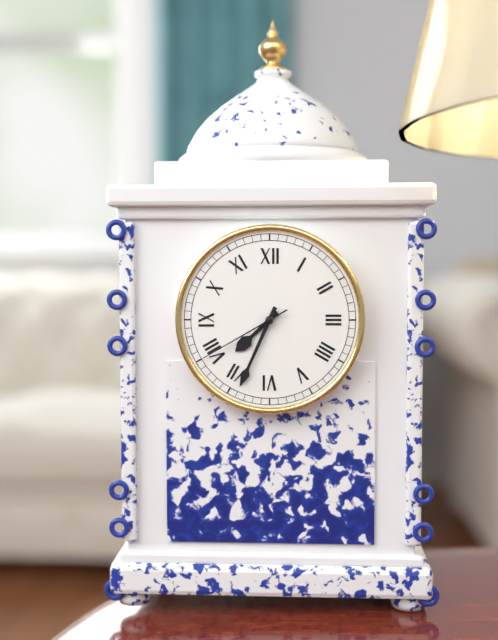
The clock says 7:34:40
